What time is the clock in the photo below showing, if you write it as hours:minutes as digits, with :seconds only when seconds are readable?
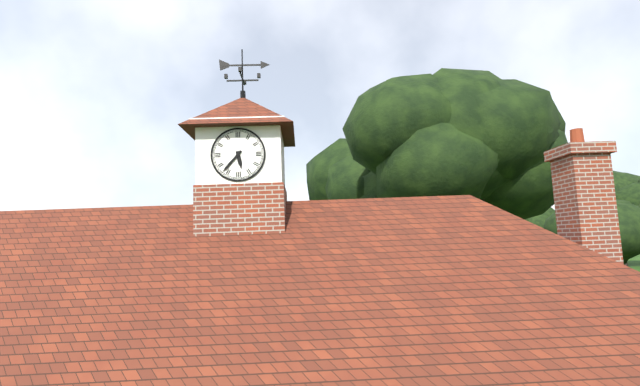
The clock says 5:37
